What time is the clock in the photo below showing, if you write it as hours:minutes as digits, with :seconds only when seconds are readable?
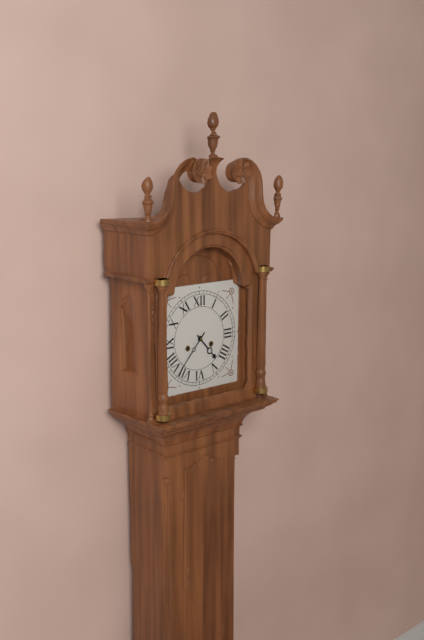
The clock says 4:37
